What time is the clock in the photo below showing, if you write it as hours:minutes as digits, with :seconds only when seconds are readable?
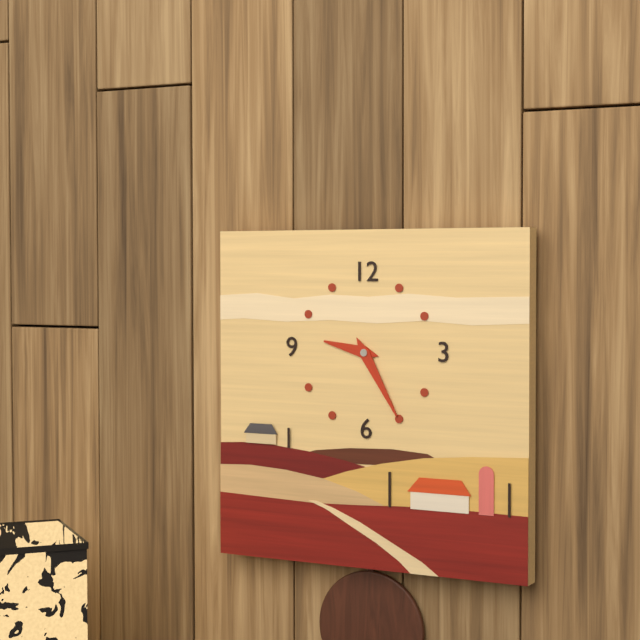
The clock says 9:25
